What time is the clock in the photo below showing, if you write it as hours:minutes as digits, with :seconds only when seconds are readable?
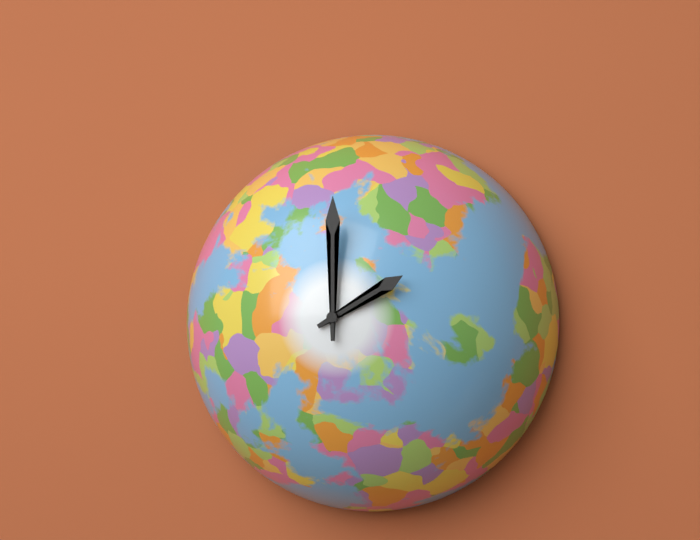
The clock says 2:00
